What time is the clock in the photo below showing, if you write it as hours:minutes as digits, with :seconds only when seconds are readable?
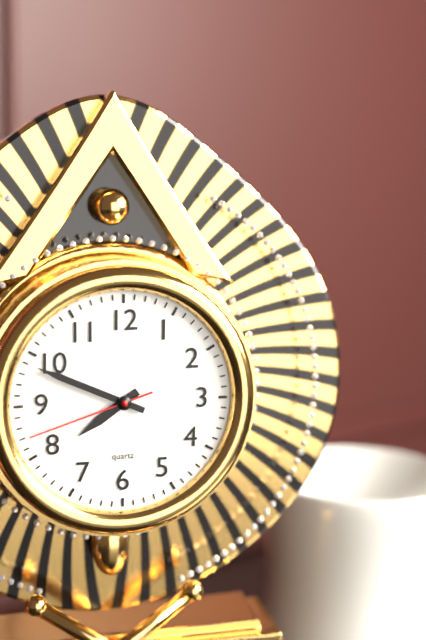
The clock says 7:49:42
